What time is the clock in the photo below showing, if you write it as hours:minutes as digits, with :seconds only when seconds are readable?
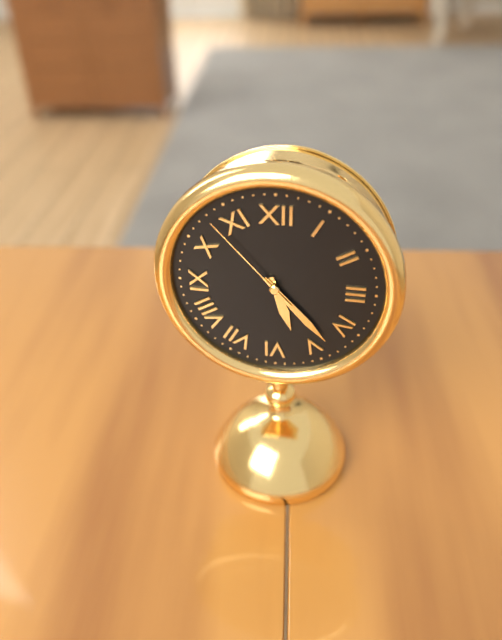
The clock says 5:23:53
